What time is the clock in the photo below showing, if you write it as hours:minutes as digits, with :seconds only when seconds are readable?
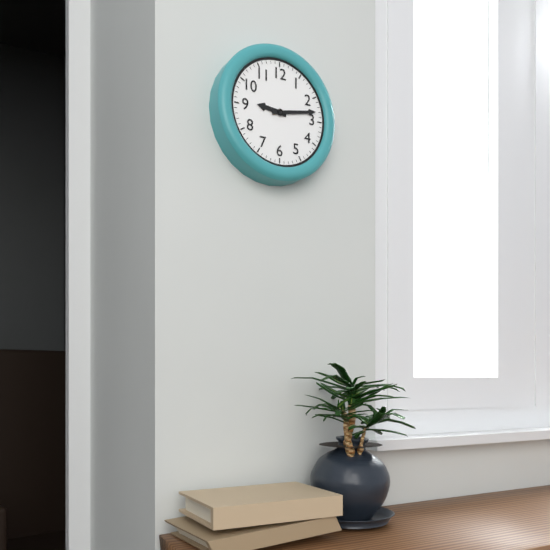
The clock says 9:13
